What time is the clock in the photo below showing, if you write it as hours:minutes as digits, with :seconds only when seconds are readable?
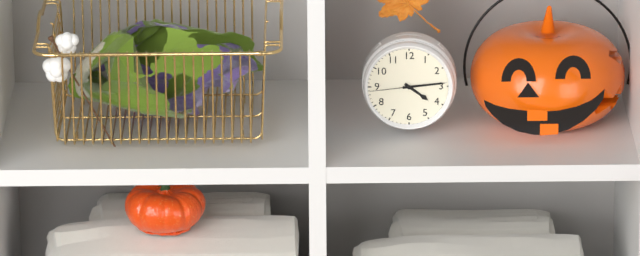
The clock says 4:14
